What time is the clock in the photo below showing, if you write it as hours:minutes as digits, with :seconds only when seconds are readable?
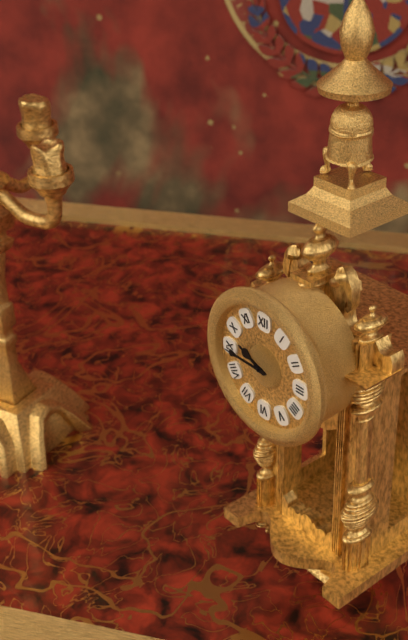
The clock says 9:45
